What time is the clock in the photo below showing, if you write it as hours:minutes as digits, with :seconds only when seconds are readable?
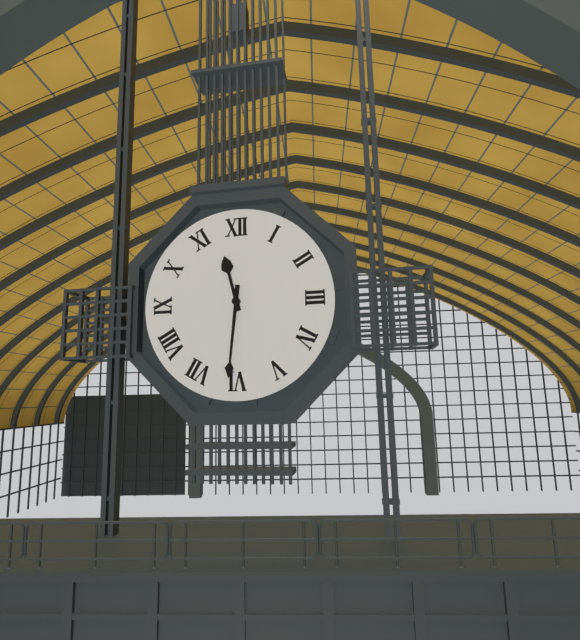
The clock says 11:31
